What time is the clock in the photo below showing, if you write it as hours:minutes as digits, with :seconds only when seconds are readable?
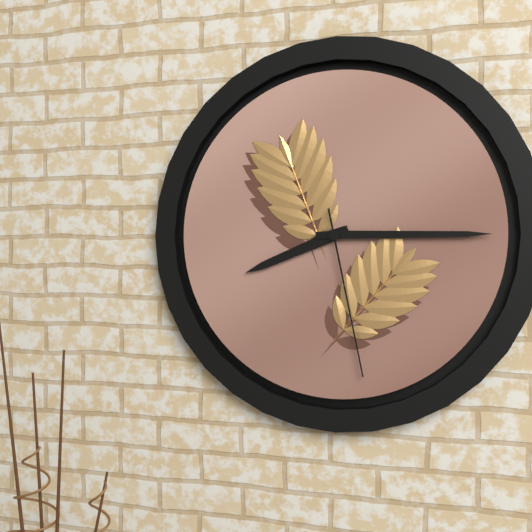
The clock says 8:15:28
